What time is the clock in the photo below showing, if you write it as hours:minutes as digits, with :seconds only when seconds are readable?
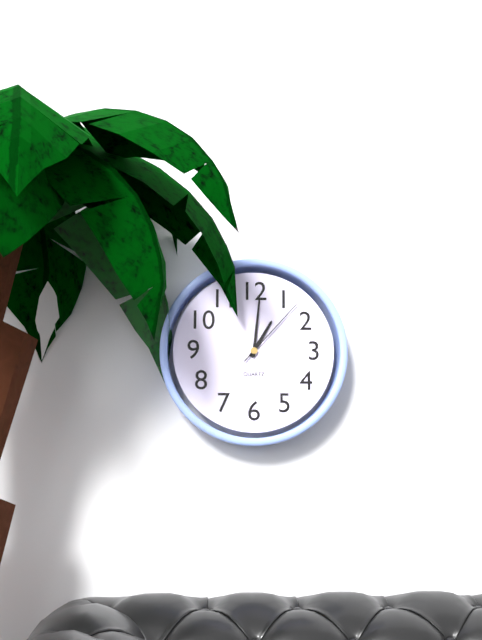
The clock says 1:01:07
